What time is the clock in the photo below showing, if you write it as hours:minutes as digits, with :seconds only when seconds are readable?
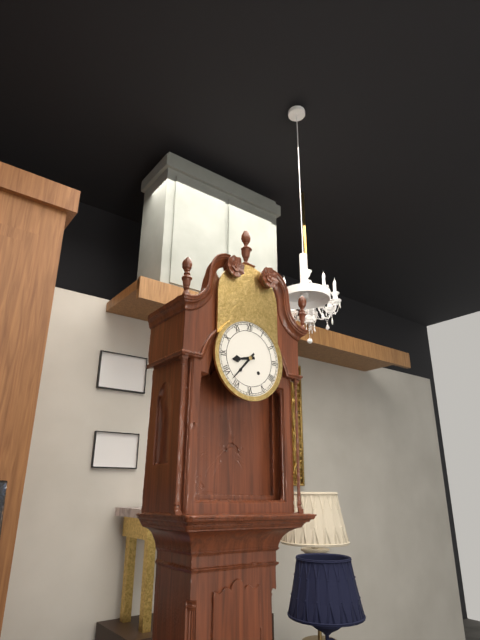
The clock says 8:37
